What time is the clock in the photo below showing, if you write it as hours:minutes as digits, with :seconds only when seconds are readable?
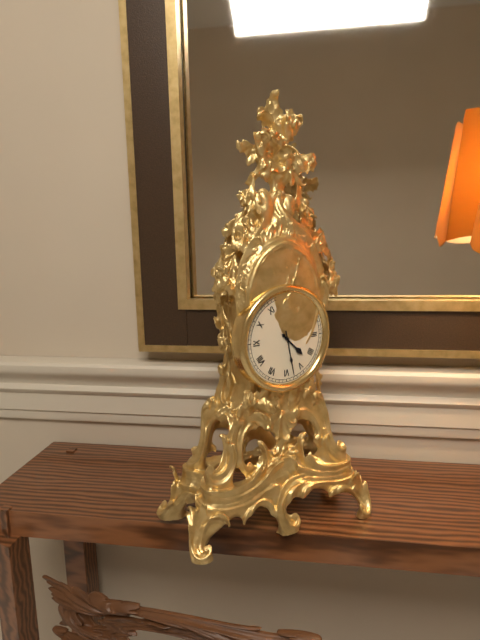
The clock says 4:28
